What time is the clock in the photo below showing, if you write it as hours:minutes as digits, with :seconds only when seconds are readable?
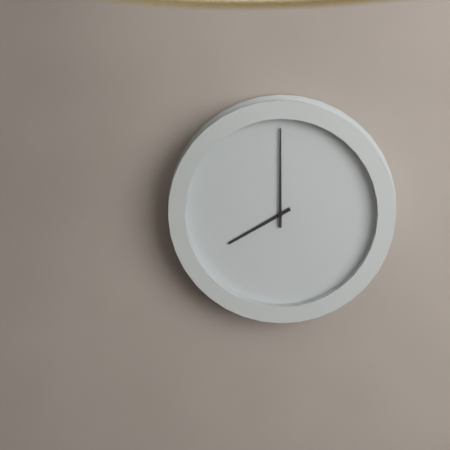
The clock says 8:00
